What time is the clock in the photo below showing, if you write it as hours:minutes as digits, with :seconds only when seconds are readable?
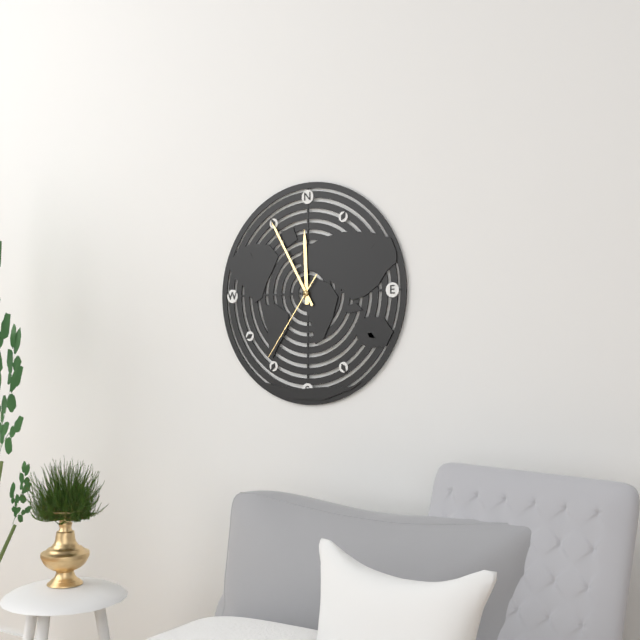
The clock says 11:55:36
